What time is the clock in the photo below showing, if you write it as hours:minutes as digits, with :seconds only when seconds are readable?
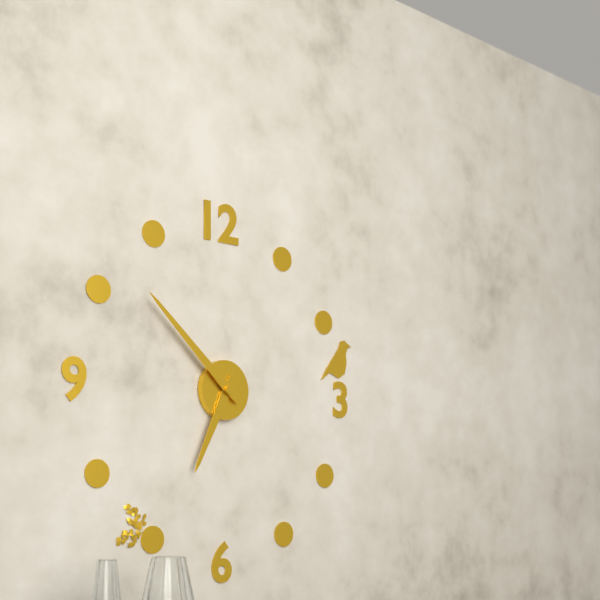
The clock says 6:52
